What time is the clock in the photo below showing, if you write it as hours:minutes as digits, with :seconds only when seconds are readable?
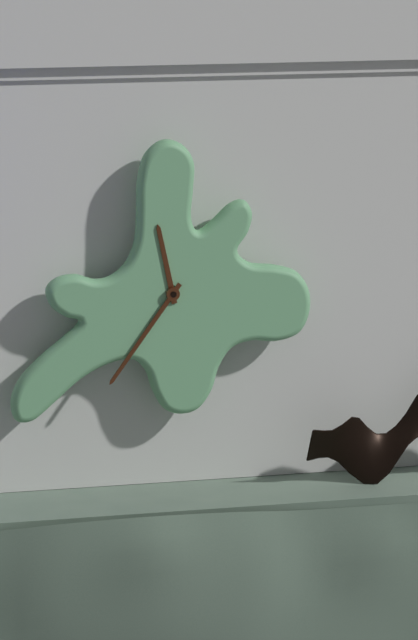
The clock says 11:36
